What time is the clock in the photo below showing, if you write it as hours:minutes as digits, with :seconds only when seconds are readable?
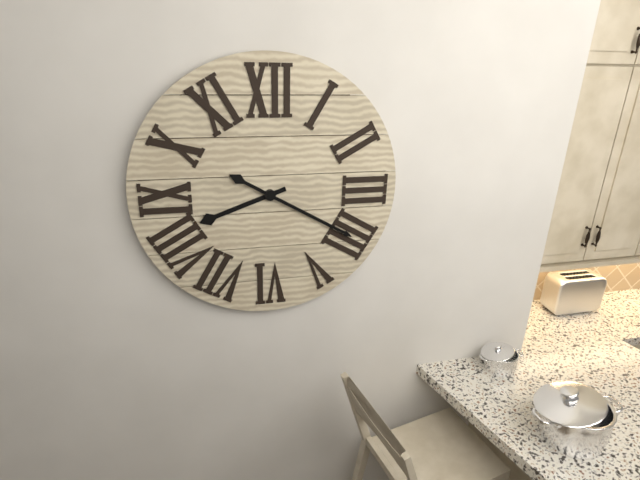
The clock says 8:20
